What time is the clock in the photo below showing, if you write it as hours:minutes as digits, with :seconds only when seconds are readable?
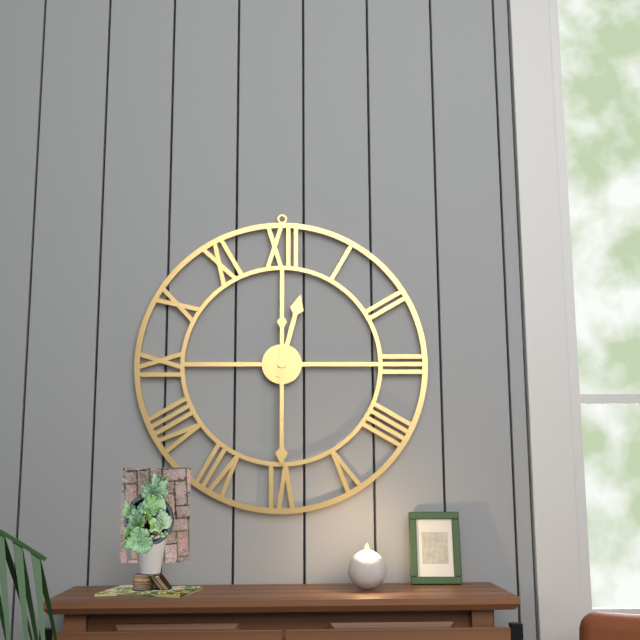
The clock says 12:30
